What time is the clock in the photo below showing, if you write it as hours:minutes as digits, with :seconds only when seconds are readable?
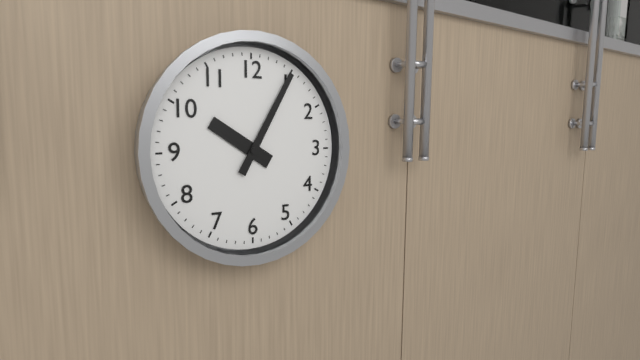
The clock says 10:05
